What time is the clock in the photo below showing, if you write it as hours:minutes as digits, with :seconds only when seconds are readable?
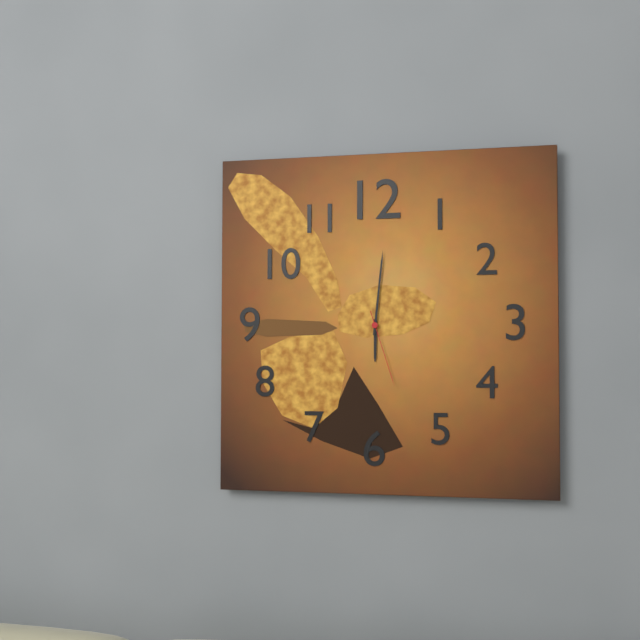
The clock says 6:01:27
